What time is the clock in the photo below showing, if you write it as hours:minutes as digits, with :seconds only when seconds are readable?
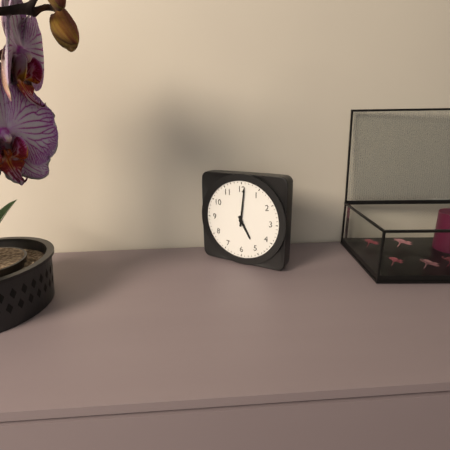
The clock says 5:01
